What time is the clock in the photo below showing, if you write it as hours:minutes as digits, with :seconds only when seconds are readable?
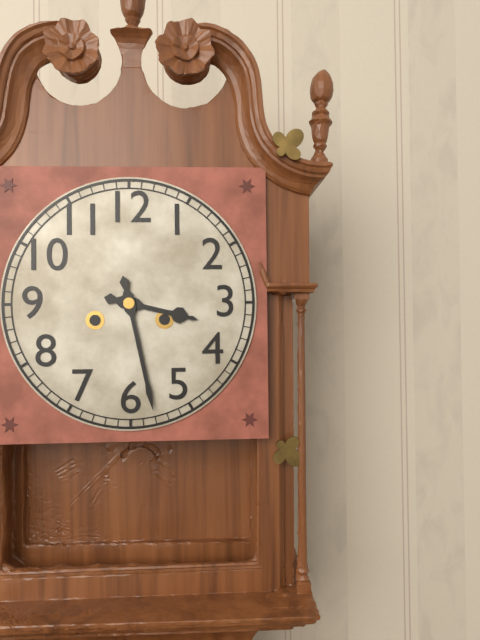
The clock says 3:28
